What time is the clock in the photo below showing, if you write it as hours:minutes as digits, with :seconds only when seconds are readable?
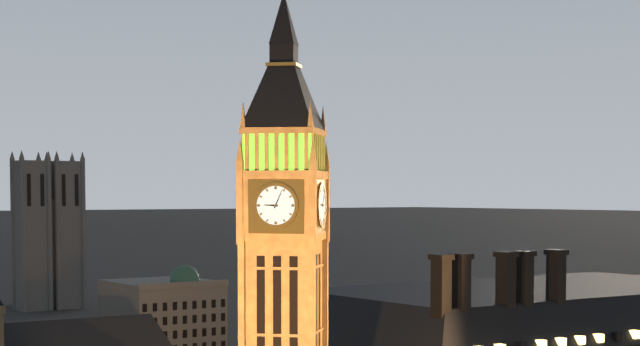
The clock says 9:04
